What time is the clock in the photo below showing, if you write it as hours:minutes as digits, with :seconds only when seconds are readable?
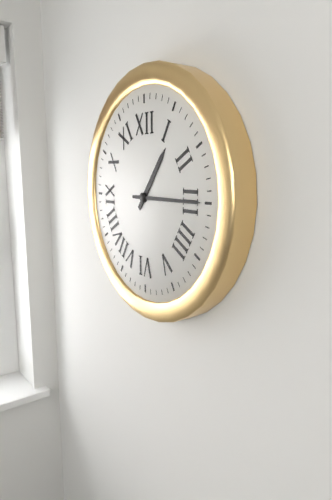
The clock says 1:15
